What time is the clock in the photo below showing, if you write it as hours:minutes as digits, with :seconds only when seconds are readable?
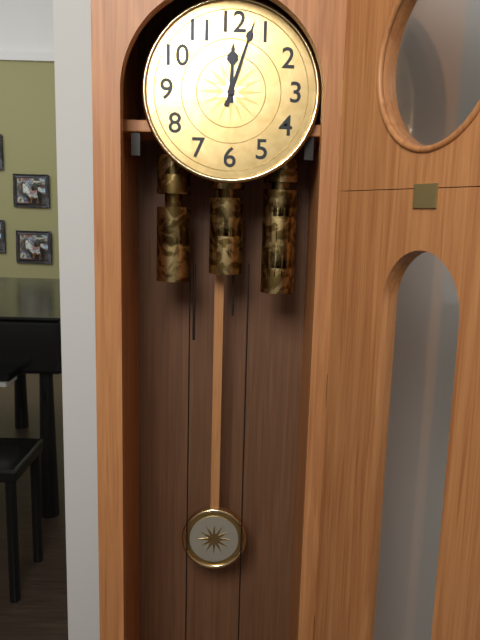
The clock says 12:03
